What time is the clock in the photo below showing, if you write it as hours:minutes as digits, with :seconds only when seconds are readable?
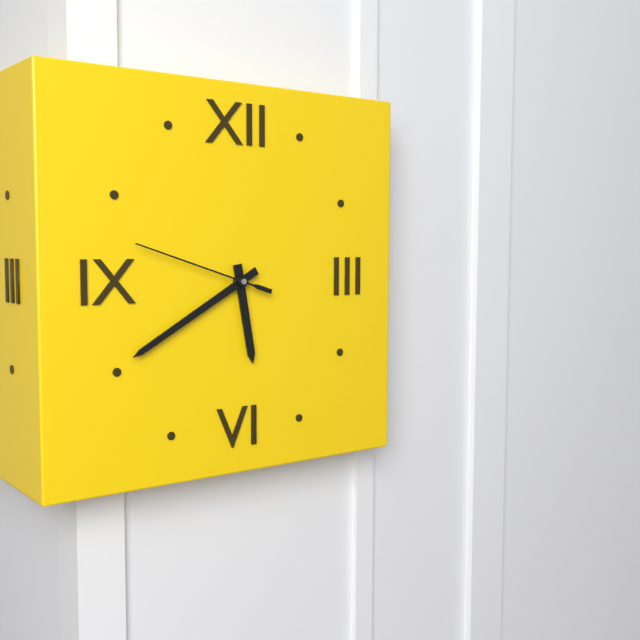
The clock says 5:40:48
